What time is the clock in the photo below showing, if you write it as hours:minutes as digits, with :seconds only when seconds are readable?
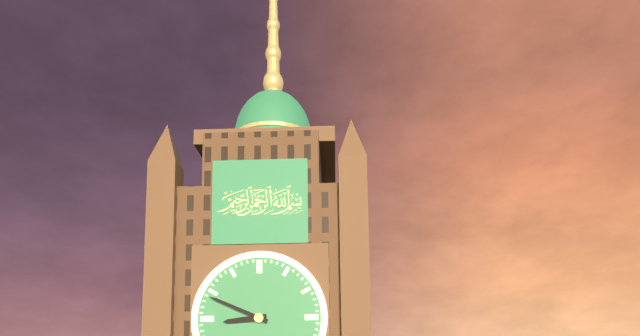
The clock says 8:49
